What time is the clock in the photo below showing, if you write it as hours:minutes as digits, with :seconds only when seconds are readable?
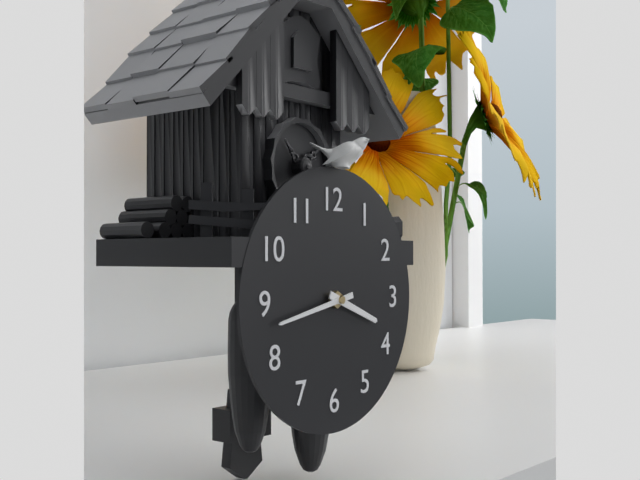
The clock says 3:43
